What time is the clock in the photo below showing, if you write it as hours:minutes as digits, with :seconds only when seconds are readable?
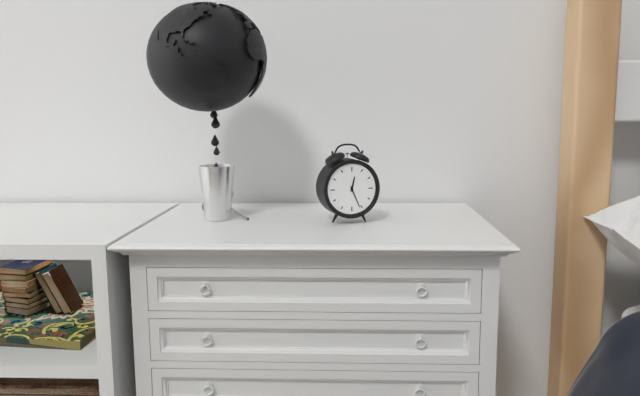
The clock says 12:26
